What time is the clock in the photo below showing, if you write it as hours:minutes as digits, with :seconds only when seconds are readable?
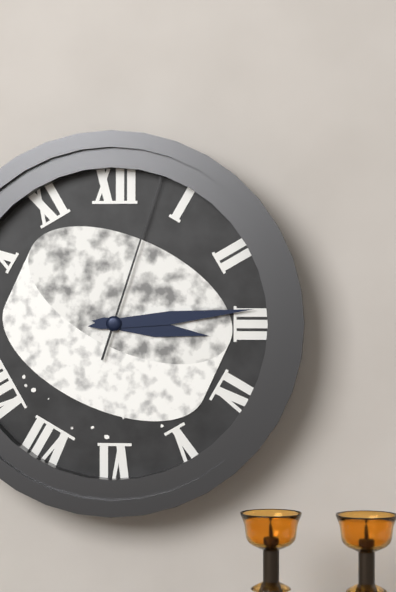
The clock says 3:14:03
